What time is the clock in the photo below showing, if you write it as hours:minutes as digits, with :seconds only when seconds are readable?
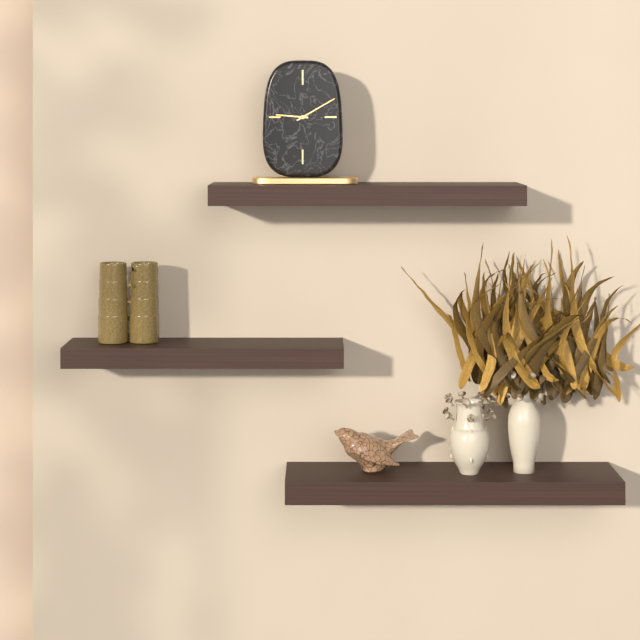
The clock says 9:10
